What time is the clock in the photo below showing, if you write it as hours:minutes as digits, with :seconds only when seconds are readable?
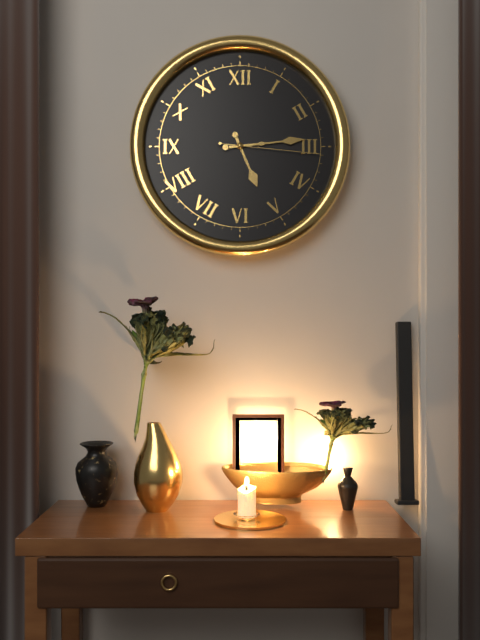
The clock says 5:14:16
